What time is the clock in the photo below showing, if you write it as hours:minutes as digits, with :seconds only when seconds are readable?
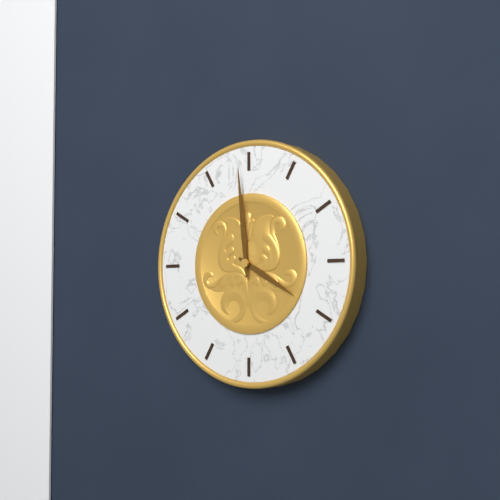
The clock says 3:59
